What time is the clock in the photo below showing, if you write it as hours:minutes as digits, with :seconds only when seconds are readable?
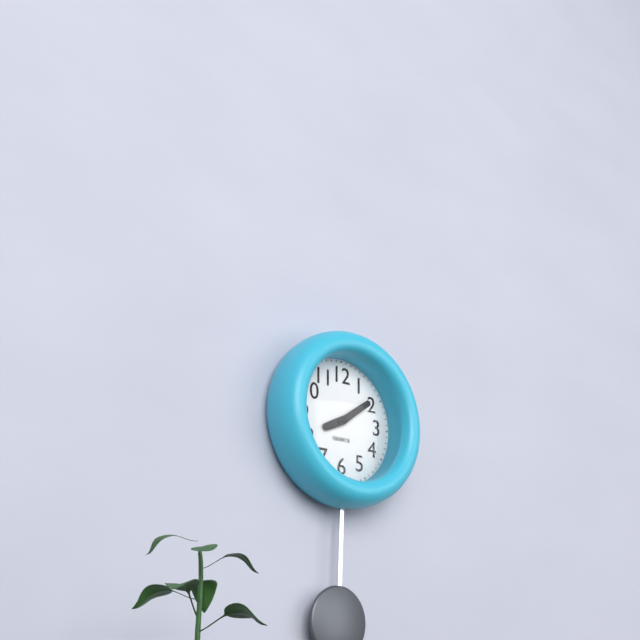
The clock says 8:09
